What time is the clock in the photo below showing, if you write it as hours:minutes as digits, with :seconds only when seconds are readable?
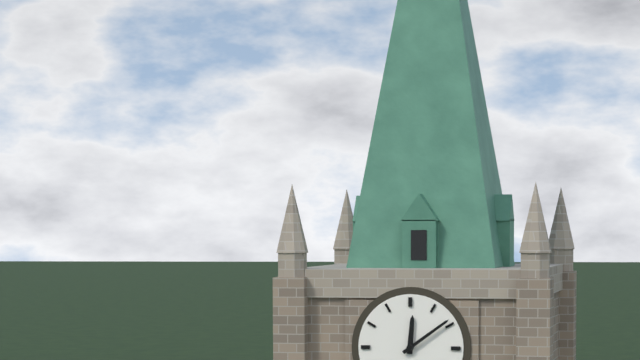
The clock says 12:09
